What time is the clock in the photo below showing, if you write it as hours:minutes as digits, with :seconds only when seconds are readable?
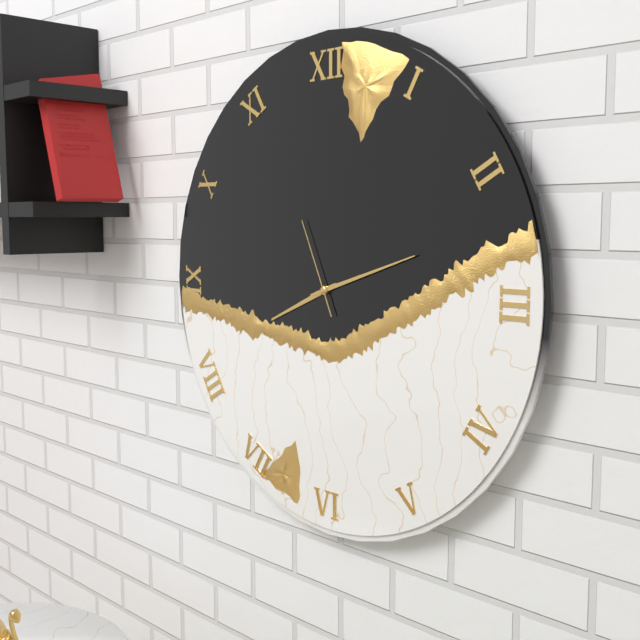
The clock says 8:12:56
